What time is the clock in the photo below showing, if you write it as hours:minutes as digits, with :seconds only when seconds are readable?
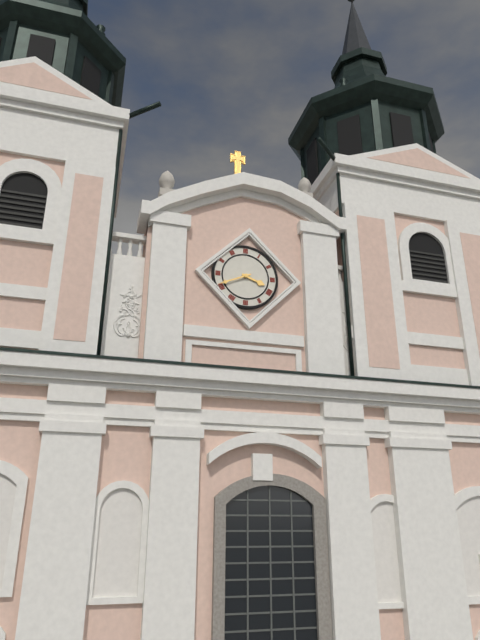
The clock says 3:41
